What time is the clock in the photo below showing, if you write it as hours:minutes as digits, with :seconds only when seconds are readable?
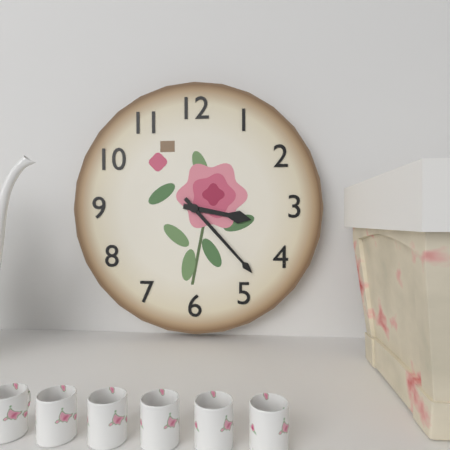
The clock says 3:23
